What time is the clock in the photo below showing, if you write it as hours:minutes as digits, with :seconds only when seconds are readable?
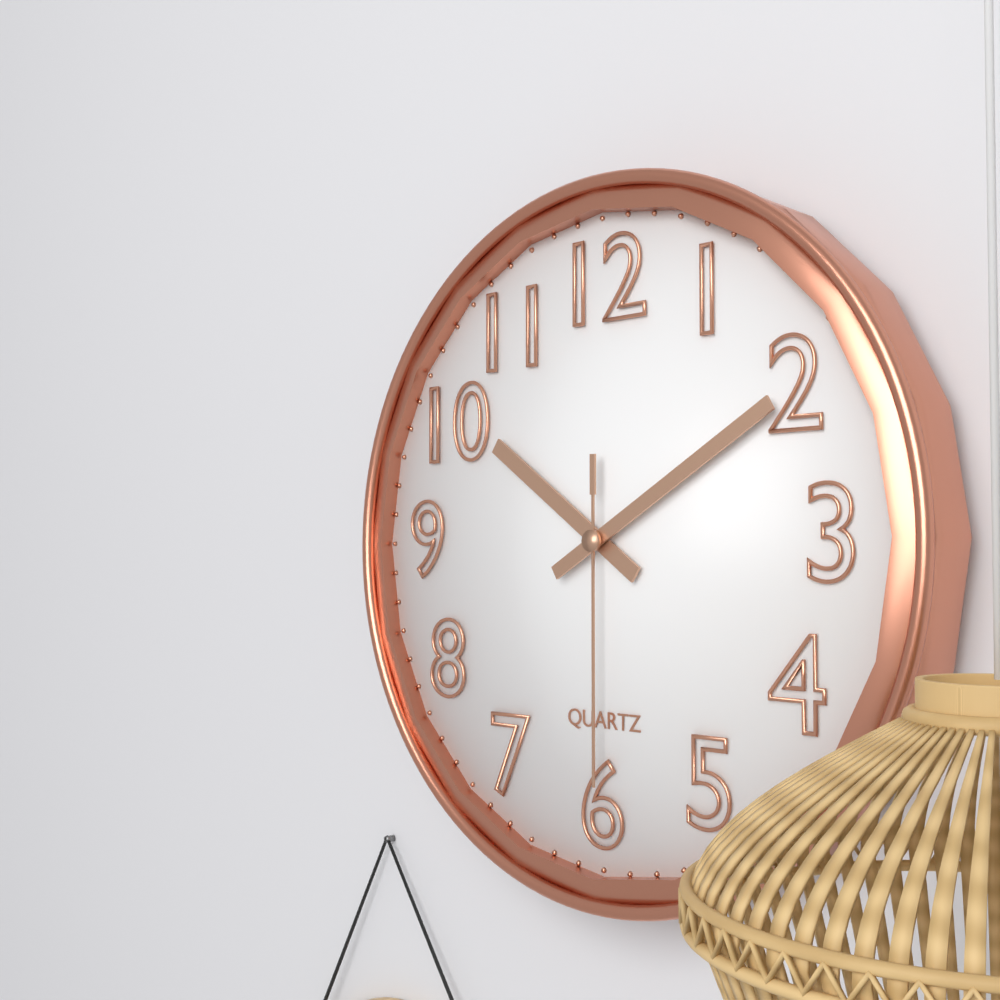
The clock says 10:10:30
